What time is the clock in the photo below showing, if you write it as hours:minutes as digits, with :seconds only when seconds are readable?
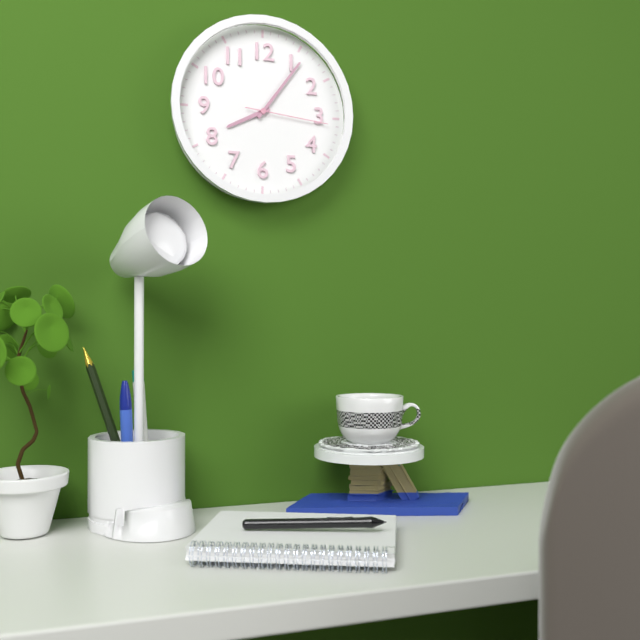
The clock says 8:06:16
